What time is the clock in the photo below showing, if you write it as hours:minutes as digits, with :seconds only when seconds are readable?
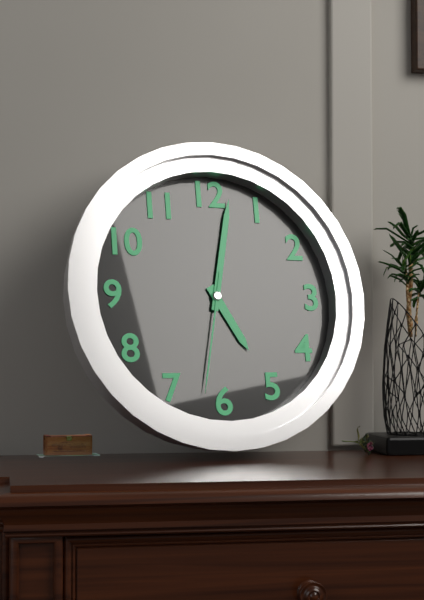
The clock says 5:02:32
